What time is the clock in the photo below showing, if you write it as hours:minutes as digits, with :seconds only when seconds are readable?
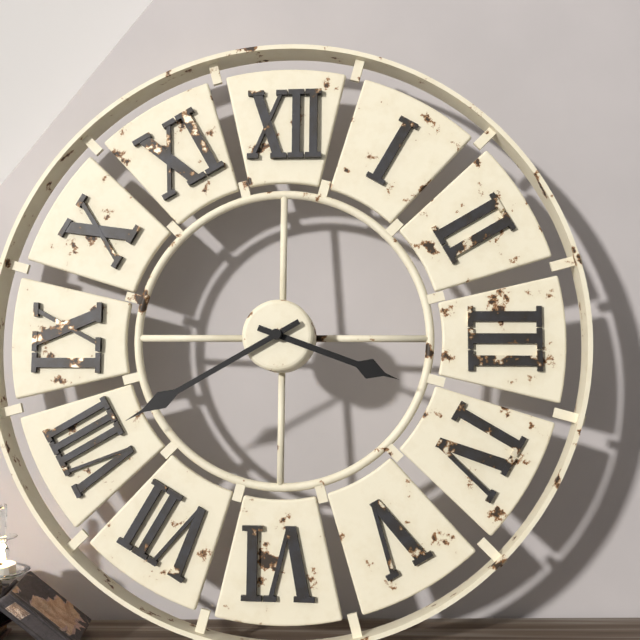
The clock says 3:40
